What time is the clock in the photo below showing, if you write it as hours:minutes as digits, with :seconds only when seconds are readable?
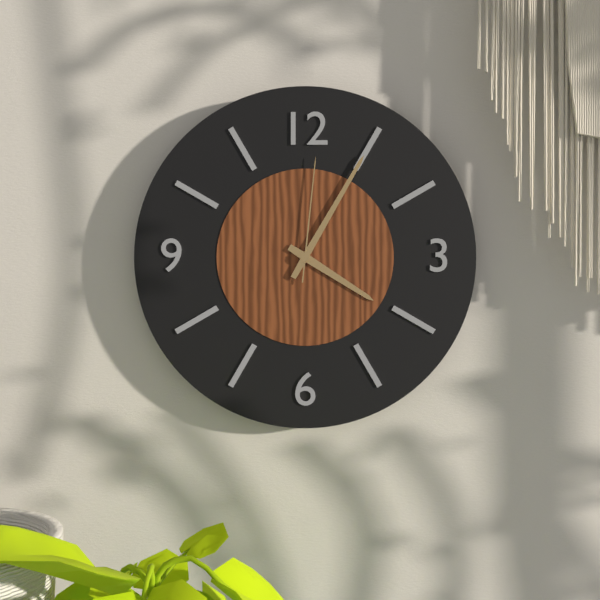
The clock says 4:05:01
